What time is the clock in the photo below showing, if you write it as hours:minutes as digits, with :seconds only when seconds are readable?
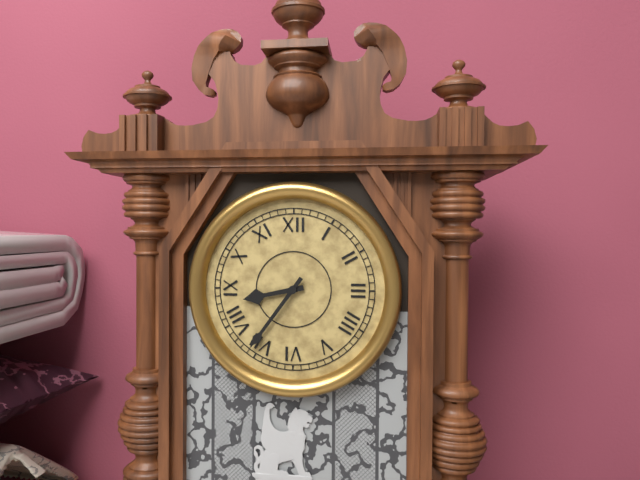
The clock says 8:36
